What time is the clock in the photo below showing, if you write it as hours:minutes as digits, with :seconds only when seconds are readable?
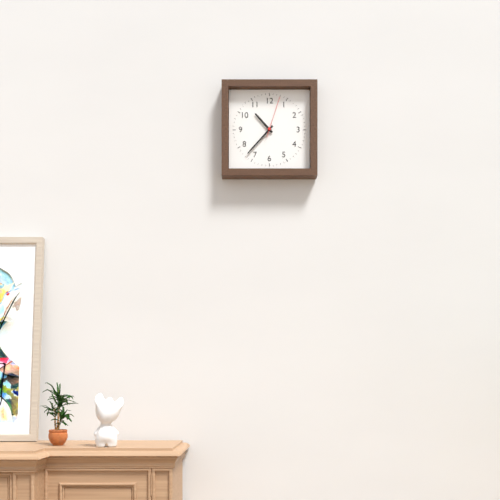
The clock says 10:37
